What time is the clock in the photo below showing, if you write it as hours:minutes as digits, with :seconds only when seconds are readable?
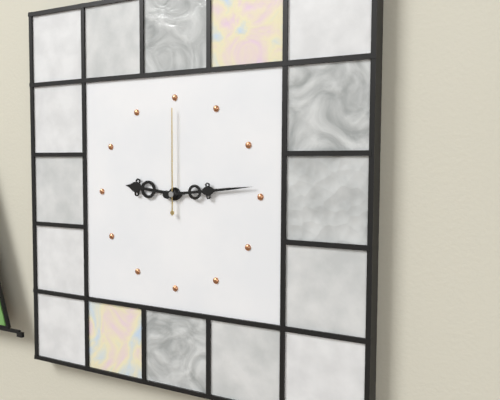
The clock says 9:14:00
